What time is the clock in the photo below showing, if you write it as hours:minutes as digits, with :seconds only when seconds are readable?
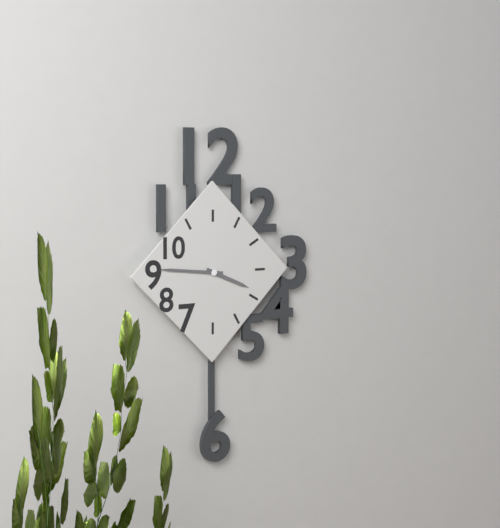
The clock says 3:46
